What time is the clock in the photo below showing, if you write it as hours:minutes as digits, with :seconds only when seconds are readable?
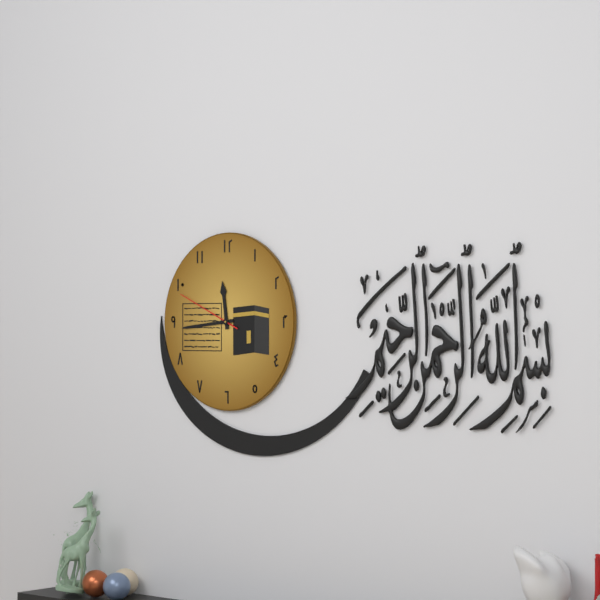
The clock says 11:44:49
